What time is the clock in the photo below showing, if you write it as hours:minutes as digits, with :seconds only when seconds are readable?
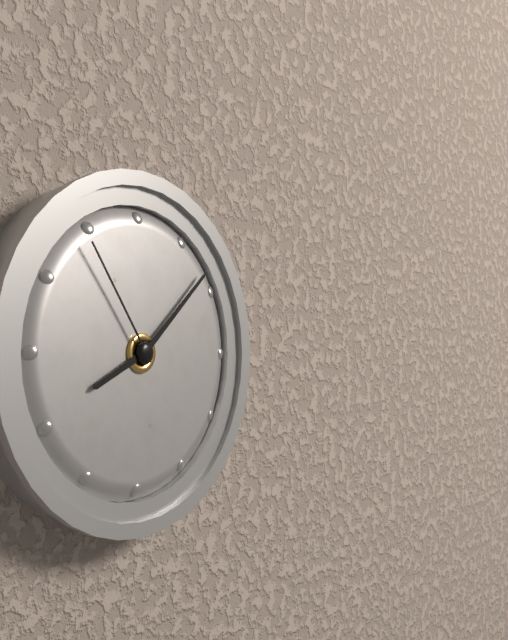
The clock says 8:08:54
